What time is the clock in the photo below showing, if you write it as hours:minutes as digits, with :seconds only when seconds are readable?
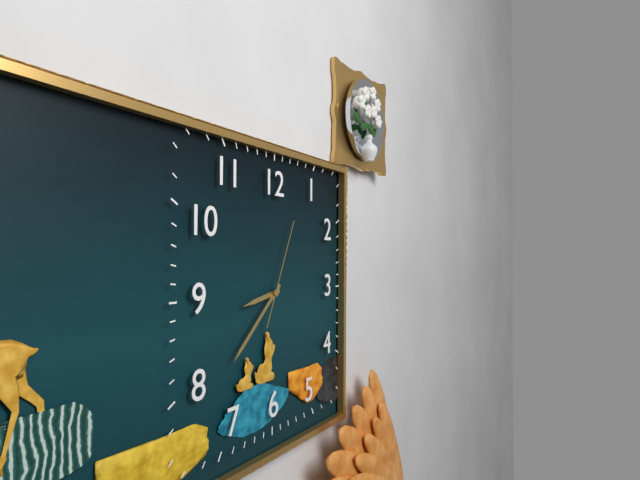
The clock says 8:38:04
